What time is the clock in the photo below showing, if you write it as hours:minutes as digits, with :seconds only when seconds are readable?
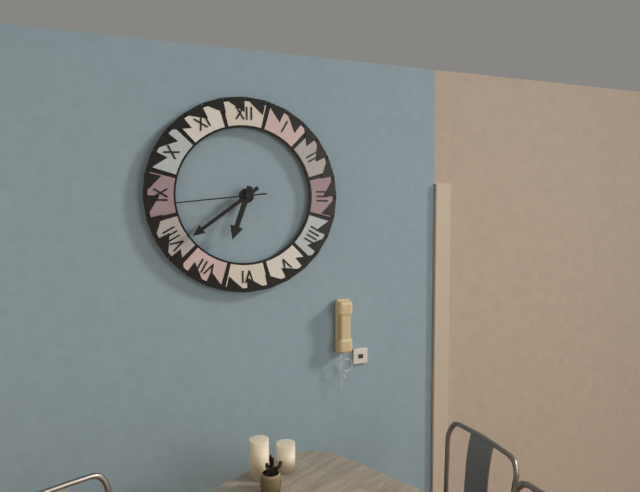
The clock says 6:39:44
